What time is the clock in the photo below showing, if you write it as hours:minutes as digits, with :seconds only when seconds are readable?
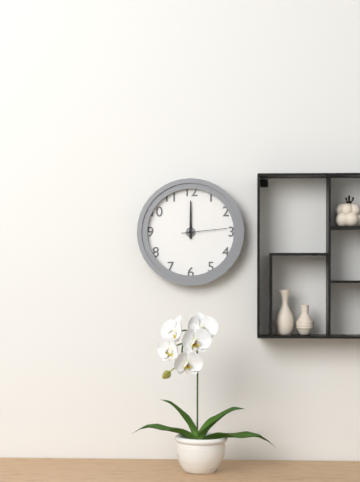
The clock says 12:00
